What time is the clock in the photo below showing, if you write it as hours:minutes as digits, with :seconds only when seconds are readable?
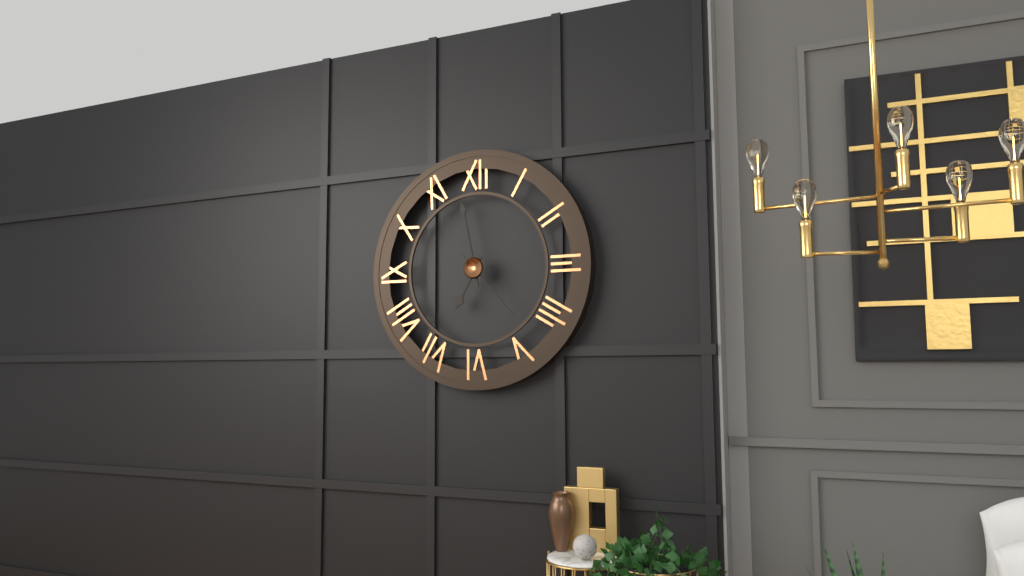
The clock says 6:58:23
